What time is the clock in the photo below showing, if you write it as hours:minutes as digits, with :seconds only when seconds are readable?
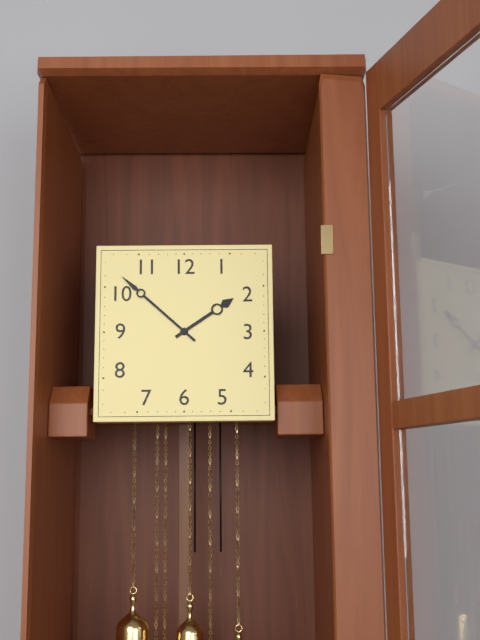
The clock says 1:52
